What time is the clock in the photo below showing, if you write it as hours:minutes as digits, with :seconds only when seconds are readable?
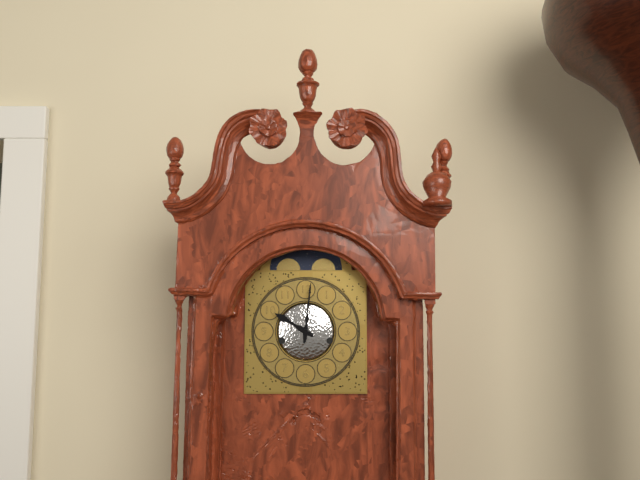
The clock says 10:01
